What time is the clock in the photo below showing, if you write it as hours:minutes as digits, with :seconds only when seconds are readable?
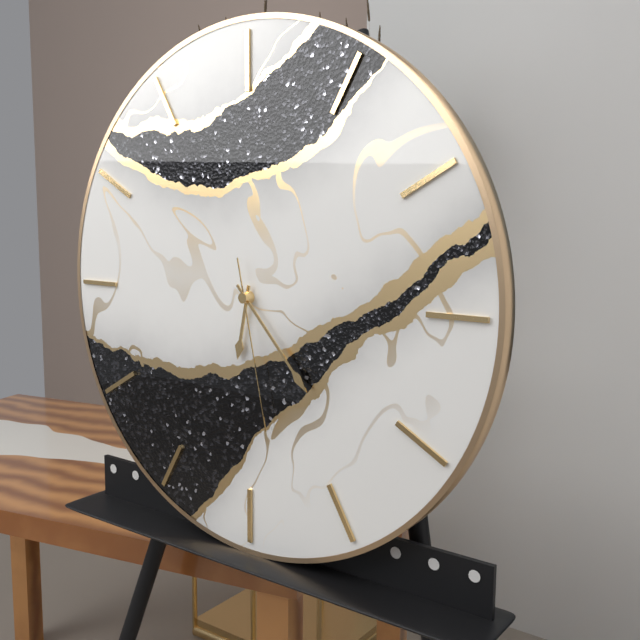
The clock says 6:23:28
